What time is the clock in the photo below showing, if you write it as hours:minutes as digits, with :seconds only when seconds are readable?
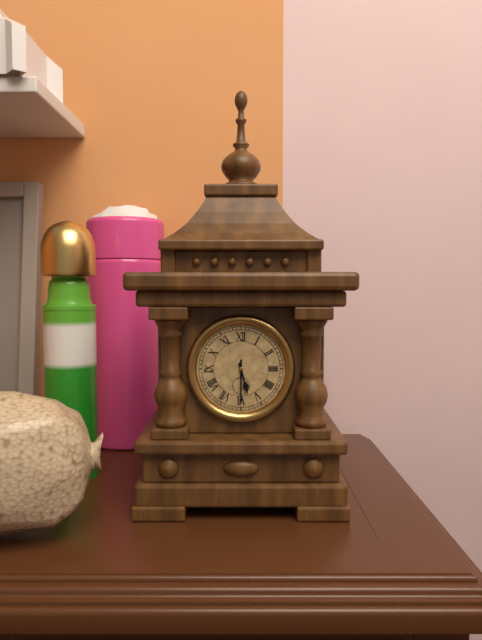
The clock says 5:30
